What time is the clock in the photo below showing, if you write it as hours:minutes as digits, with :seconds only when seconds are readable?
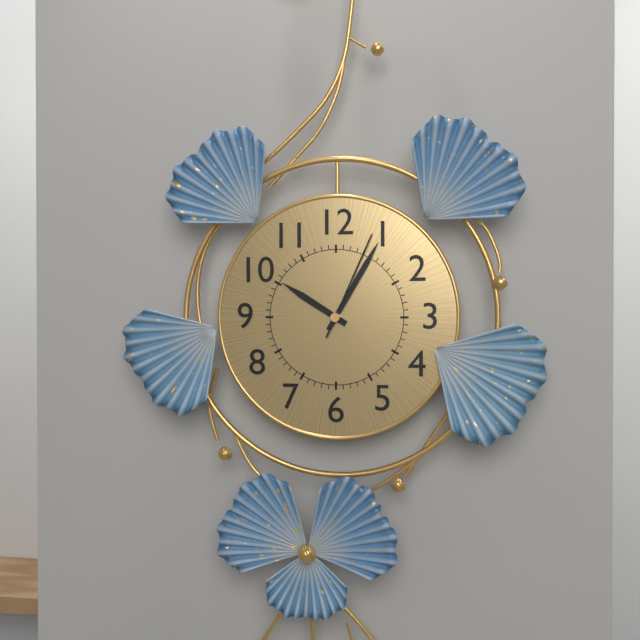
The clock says 10:05:04
